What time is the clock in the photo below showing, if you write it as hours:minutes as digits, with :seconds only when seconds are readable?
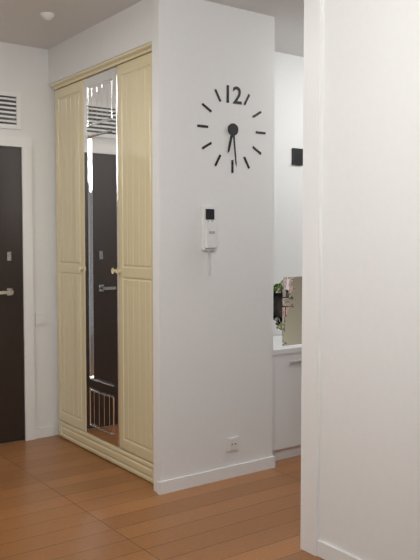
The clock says 6:29
